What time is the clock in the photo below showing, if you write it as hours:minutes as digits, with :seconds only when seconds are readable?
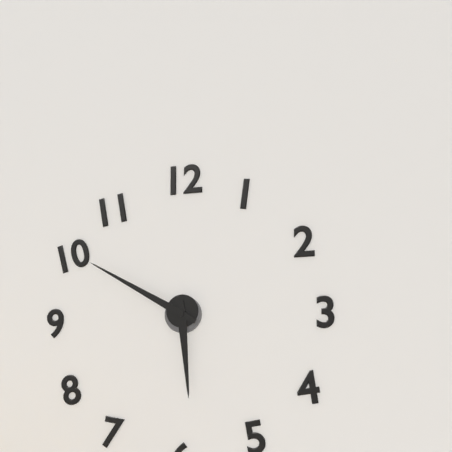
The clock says 5:50
